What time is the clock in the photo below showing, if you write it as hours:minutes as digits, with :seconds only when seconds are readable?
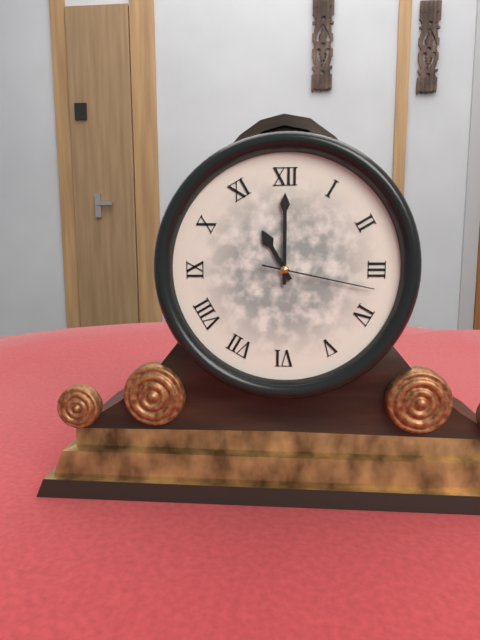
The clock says 11:00:17
